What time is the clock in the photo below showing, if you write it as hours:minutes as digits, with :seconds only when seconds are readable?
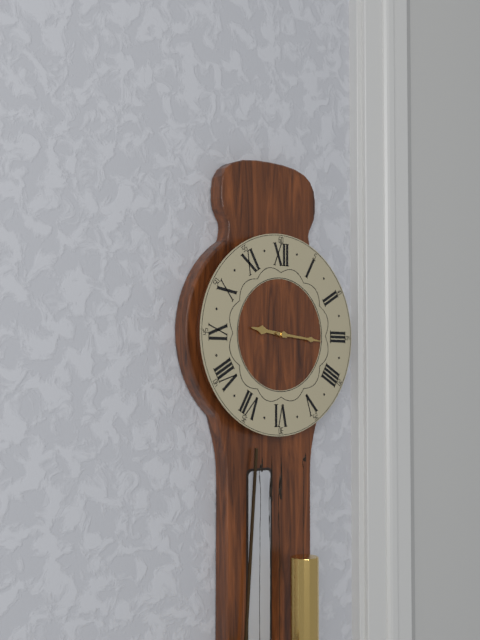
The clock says 9:16
